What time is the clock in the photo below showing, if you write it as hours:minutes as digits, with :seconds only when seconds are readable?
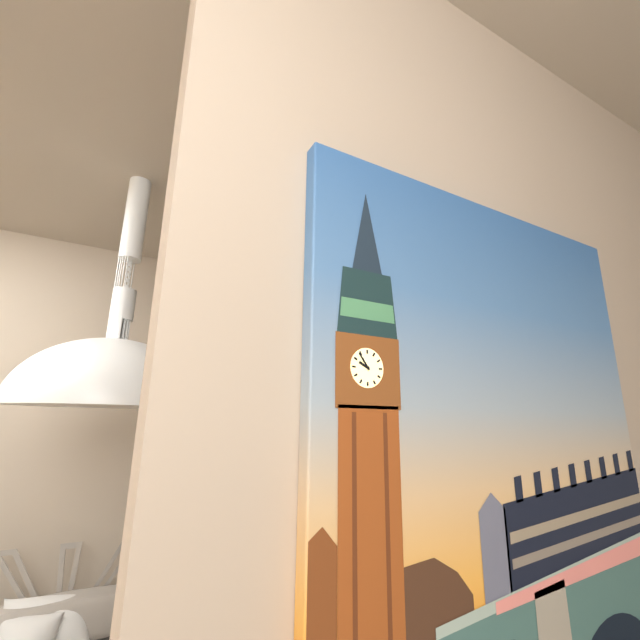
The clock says 9:54
